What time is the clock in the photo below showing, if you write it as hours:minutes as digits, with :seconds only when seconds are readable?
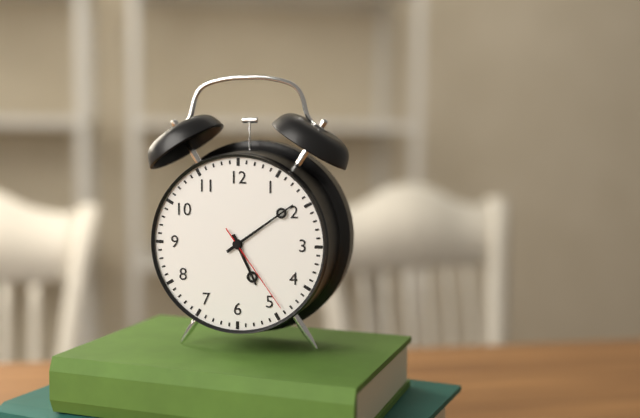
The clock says 5:09:24
